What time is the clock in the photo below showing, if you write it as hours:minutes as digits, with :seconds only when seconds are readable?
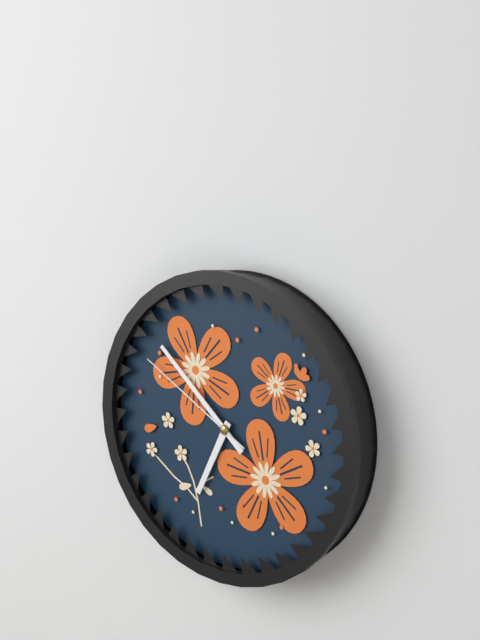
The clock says 6:52:50
